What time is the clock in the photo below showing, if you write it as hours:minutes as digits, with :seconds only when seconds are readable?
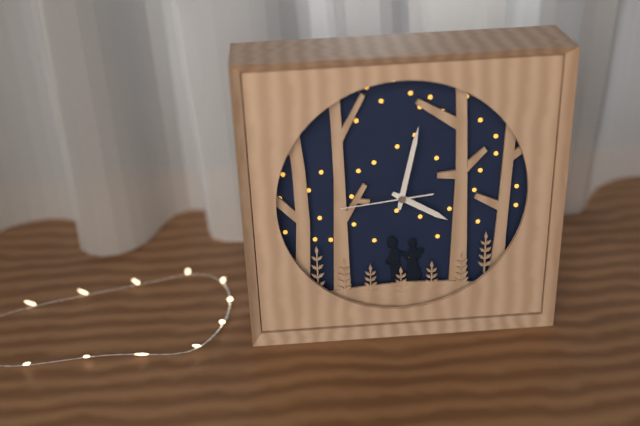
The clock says 4:02:44
